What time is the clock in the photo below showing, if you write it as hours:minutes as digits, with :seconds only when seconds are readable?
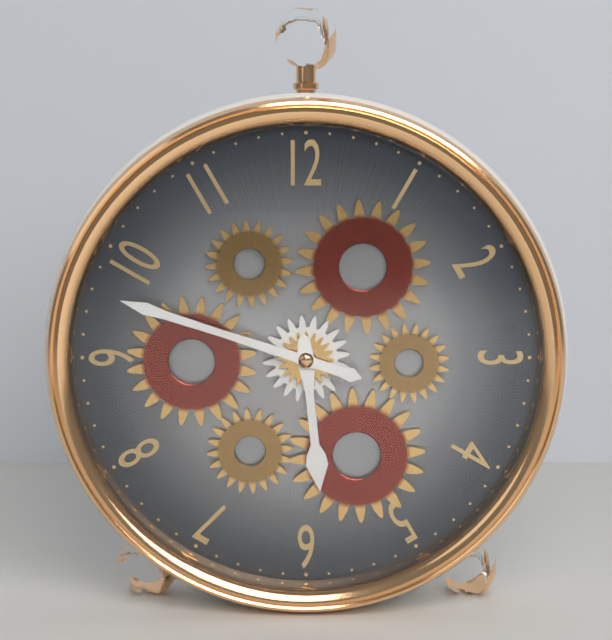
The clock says 5:48
